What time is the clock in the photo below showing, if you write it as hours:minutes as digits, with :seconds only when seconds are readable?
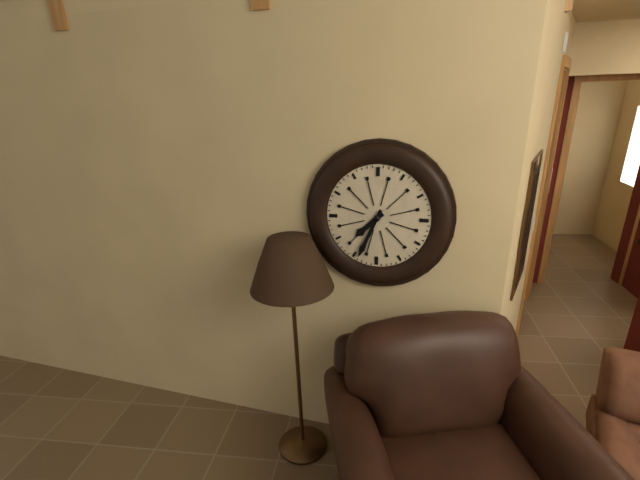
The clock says 7:34
